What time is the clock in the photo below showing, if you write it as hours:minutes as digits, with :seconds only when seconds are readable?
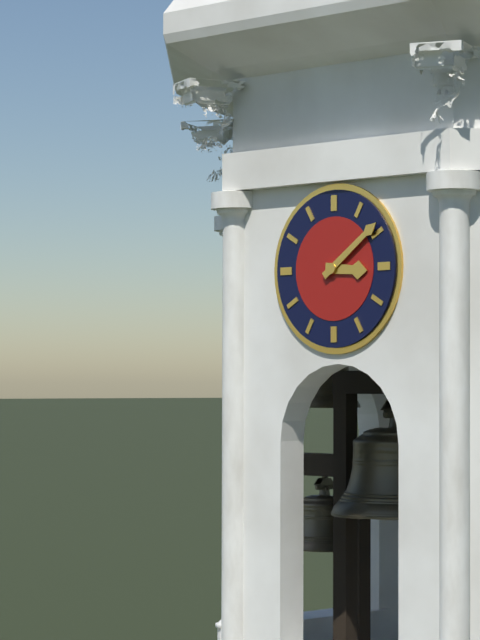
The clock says 3:09
